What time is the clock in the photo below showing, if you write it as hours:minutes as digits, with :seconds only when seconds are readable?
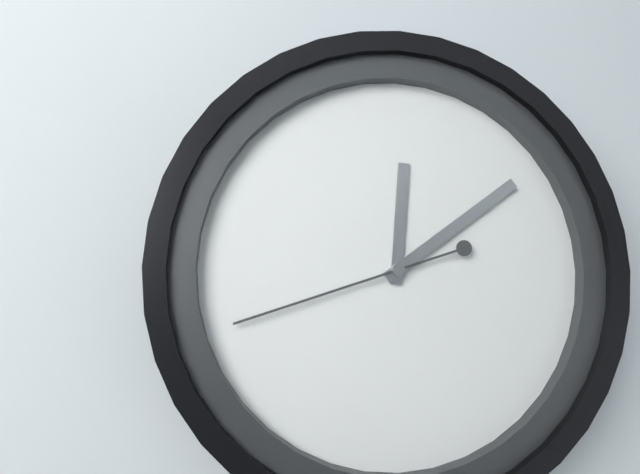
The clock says 12:09:42
